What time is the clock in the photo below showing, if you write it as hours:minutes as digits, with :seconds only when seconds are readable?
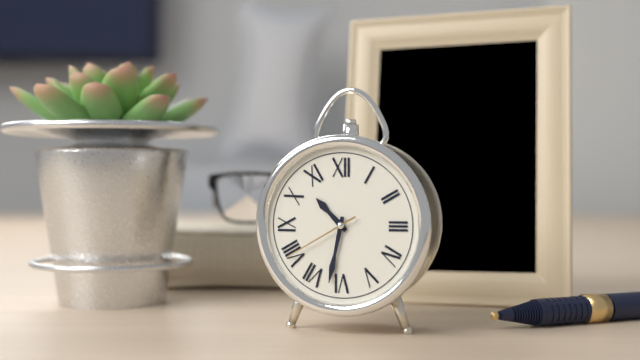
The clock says 10:32:40
